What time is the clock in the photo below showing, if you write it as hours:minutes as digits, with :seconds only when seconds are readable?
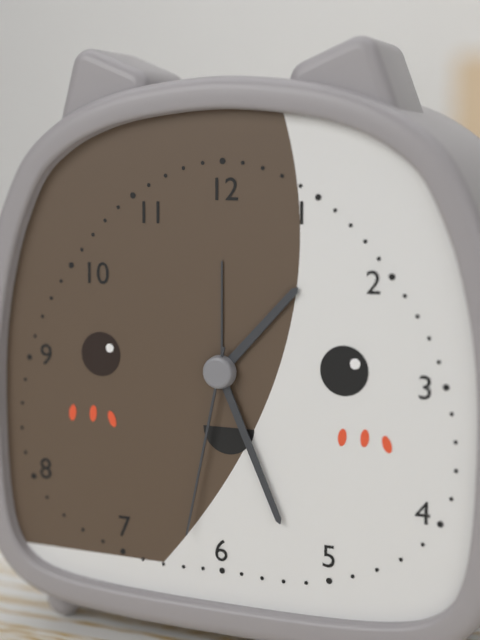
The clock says 1:26:32
